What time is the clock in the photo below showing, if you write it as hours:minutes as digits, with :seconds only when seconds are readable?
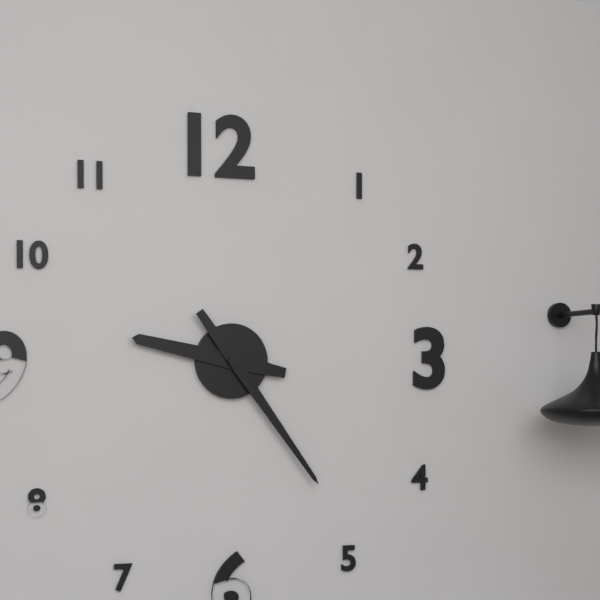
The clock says 9:24
